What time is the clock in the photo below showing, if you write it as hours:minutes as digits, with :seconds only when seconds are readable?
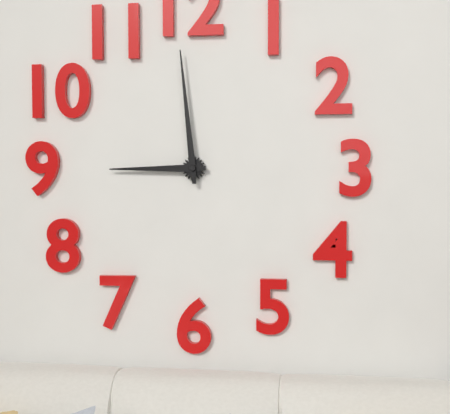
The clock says 8:59
